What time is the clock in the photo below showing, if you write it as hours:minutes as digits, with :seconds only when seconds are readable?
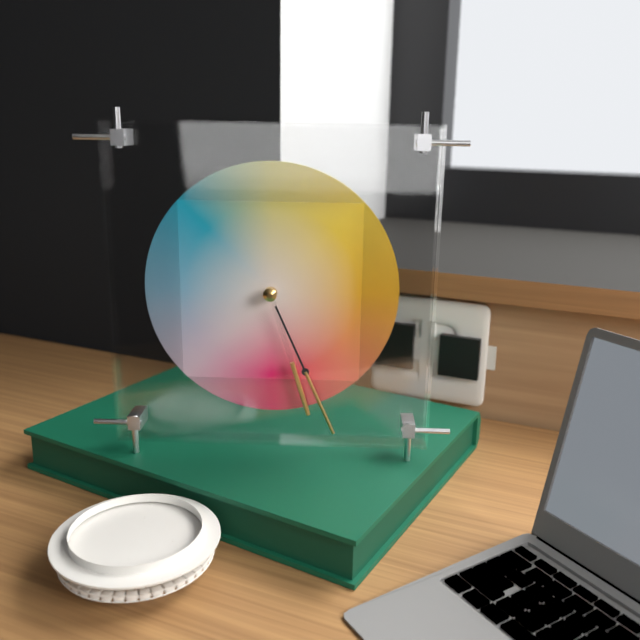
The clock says 5:26
